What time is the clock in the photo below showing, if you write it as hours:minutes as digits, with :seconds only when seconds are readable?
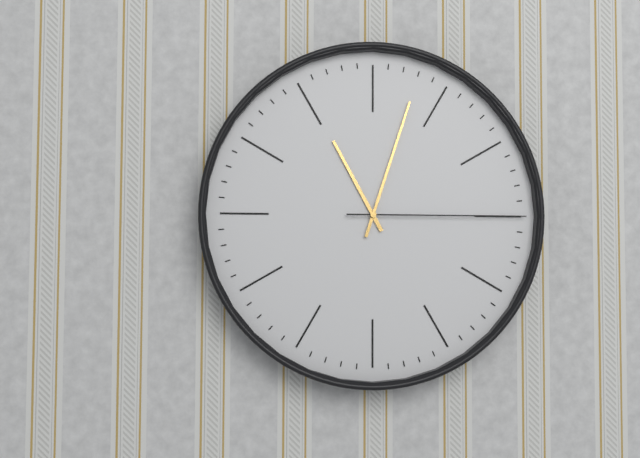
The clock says 11:03:15
